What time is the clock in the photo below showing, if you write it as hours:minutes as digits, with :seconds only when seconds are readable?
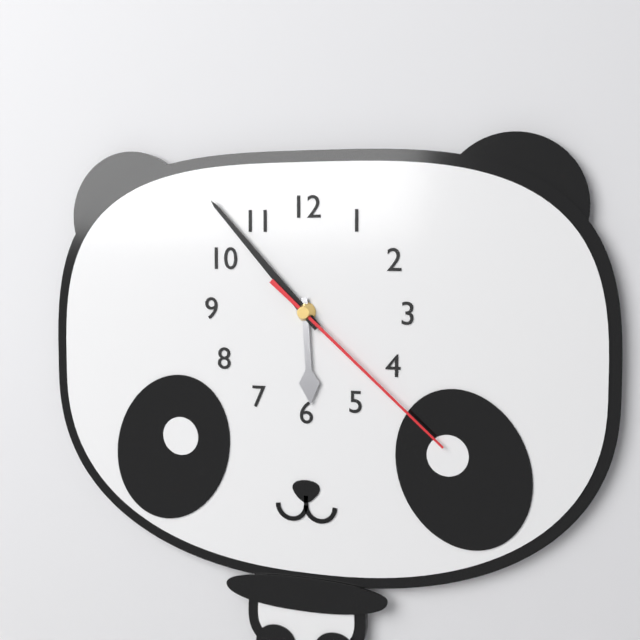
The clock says 5:53:22
